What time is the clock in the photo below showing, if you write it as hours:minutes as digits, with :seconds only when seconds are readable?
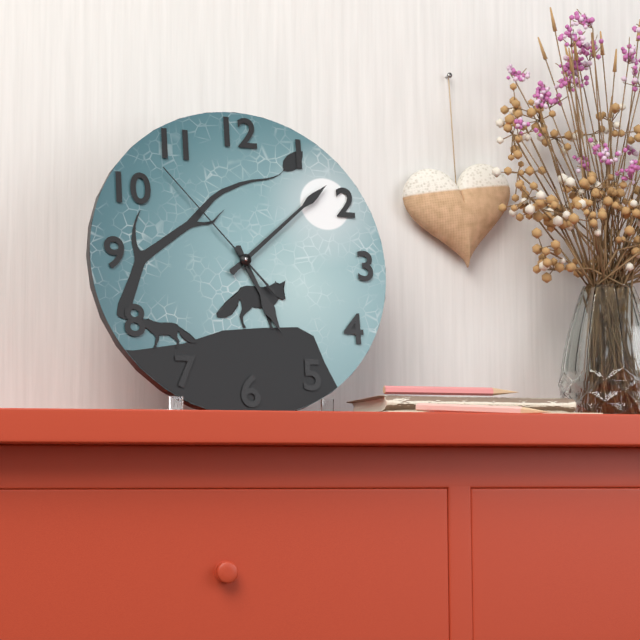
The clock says 5:08:53
